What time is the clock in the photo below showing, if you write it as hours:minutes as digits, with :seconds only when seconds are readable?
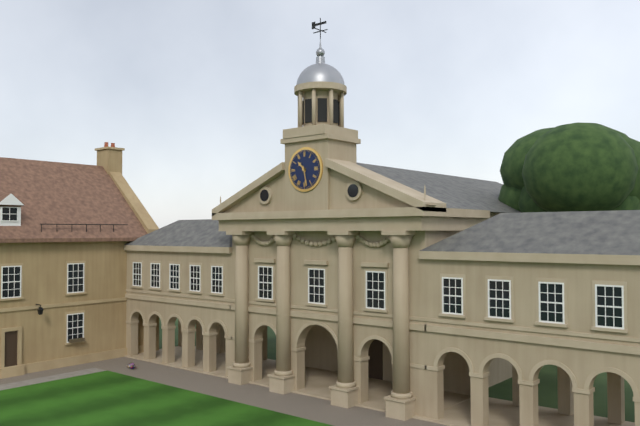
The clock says 10:28
